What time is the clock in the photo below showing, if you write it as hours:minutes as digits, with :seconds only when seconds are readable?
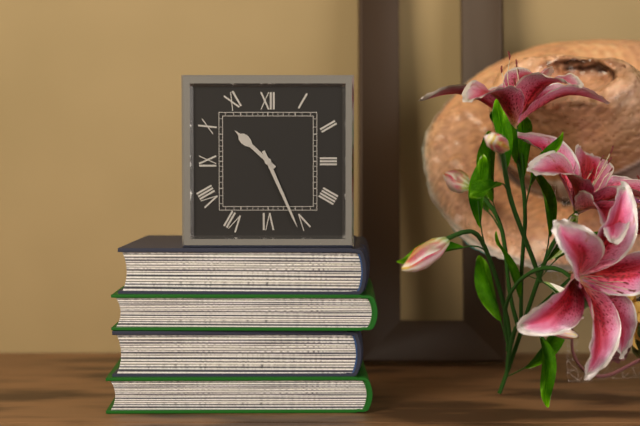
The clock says 10:26
